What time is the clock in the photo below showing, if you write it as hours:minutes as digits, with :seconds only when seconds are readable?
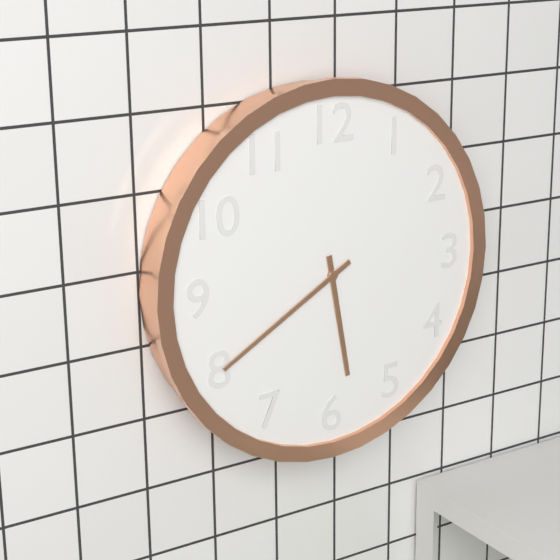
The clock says 5:40
